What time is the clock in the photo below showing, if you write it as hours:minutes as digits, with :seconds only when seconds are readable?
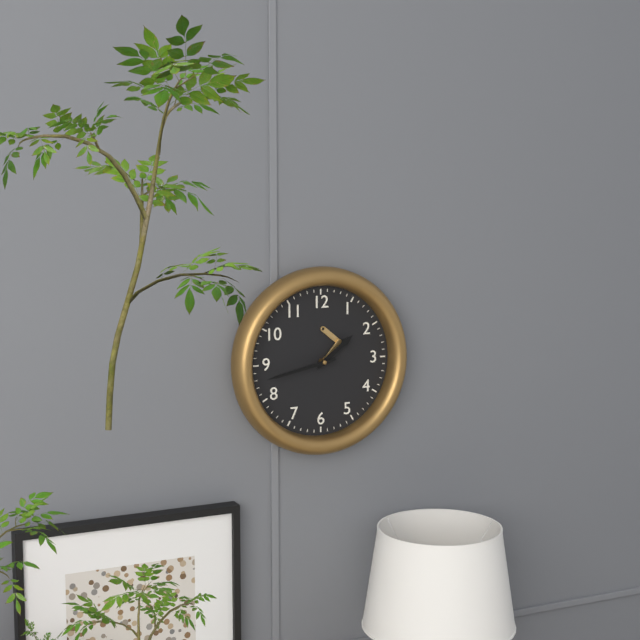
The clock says 1:43
